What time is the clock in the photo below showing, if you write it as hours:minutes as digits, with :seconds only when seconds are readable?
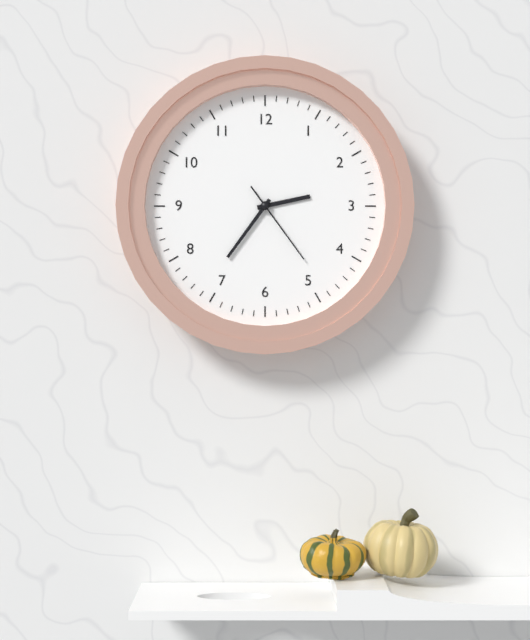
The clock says 2:36:24
